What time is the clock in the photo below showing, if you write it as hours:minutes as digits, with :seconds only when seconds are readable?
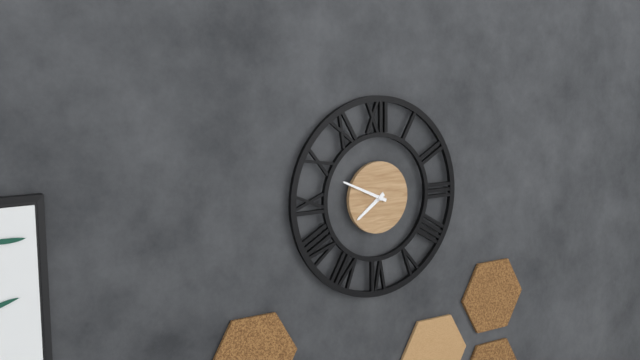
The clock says 7:49
